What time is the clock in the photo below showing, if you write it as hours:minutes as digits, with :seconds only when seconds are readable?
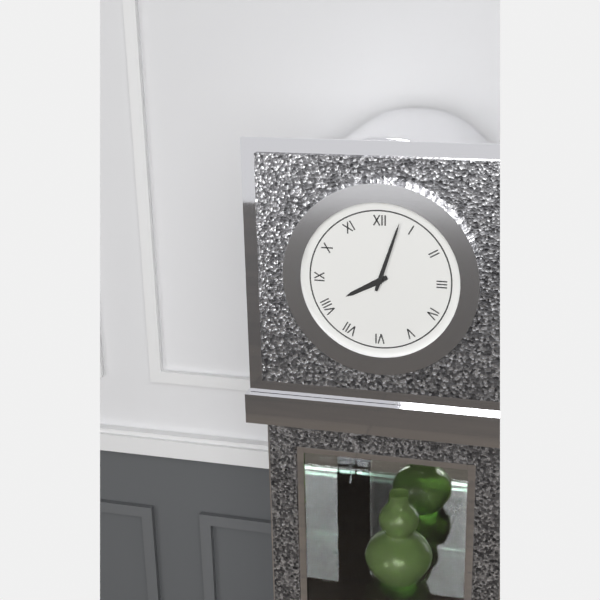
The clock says 8:03
